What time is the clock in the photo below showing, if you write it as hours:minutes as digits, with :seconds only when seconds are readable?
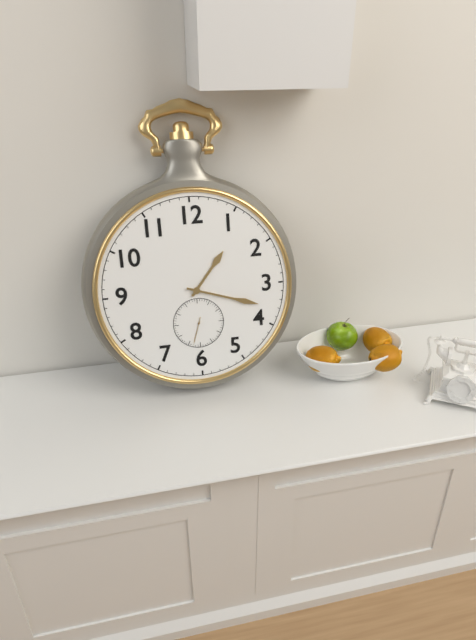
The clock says 1:18
